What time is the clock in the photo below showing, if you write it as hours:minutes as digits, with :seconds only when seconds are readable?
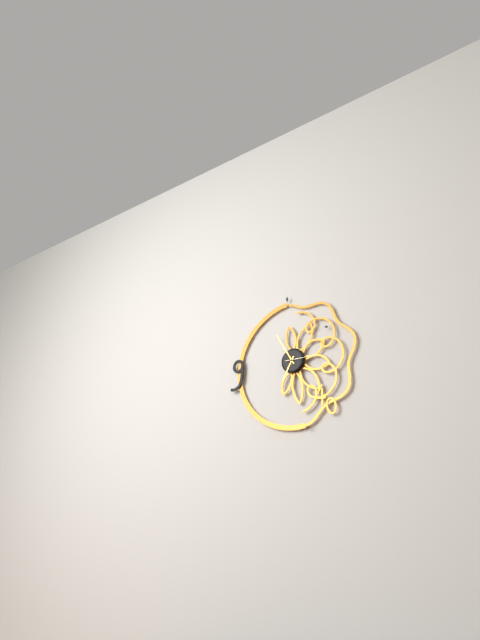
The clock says 6:55
